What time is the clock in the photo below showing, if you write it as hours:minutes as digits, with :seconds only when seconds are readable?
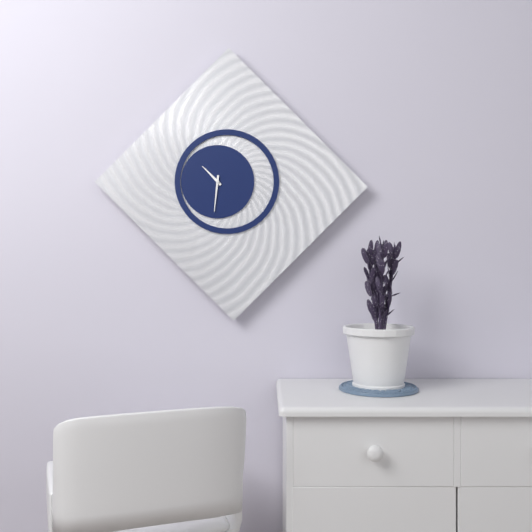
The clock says 10:31
